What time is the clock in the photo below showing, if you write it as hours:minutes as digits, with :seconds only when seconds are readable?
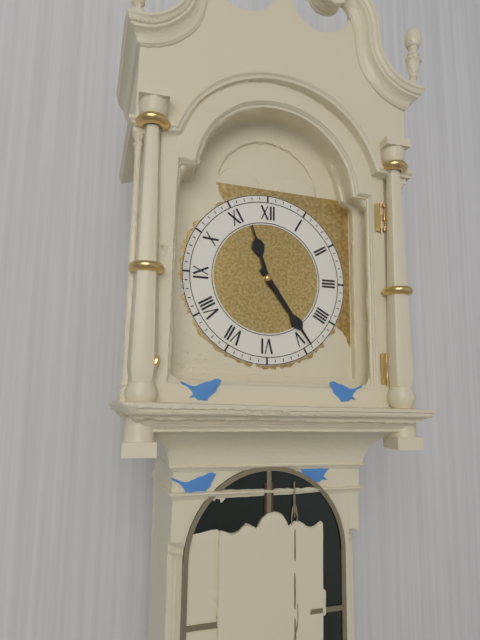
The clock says 11:24
